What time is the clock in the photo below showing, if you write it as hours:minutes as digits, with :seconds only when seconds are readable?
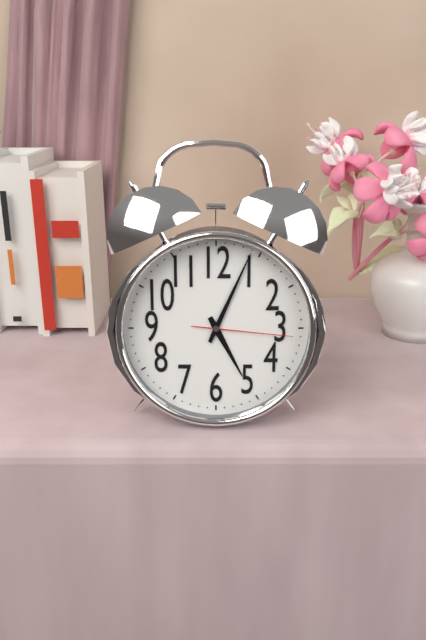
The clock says 5:04:16
